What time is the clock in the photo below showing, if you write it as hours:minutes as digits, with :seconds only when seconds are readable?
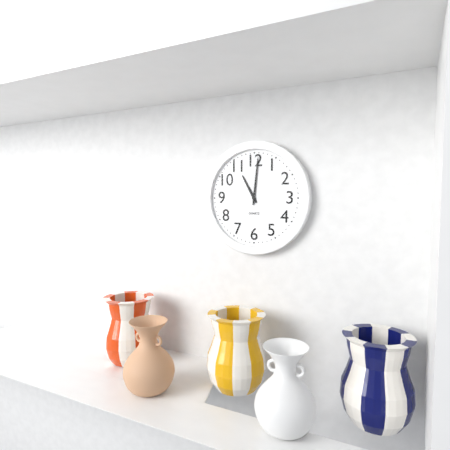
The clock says 11:01
